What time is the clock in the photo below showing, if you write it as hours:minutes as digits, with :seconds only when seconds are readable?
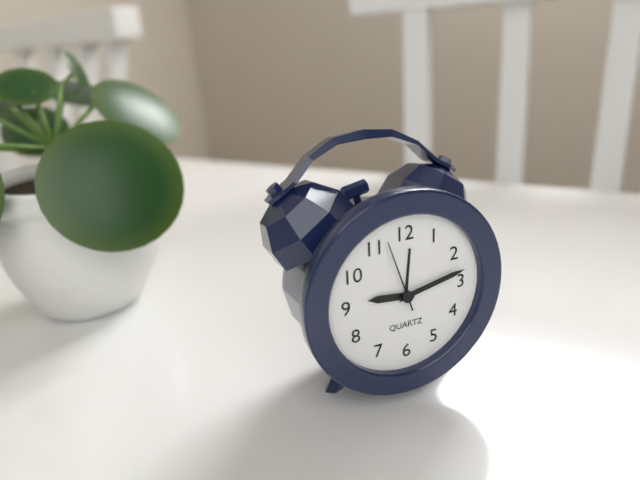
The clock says 9:13:57
